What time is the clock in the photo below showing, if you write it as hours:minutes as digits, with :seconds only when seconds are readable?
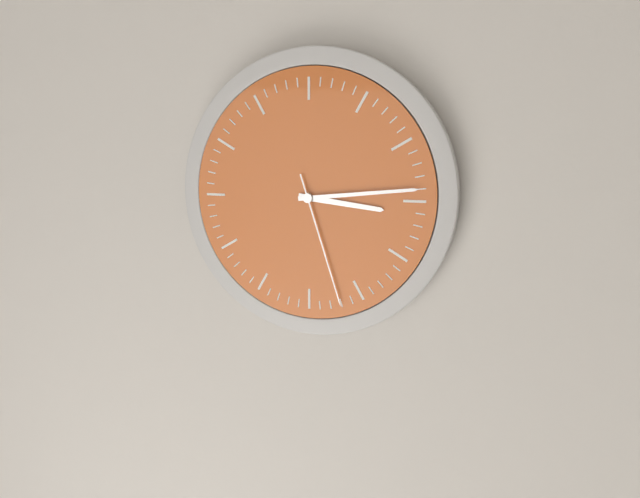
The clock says 3:14:27
